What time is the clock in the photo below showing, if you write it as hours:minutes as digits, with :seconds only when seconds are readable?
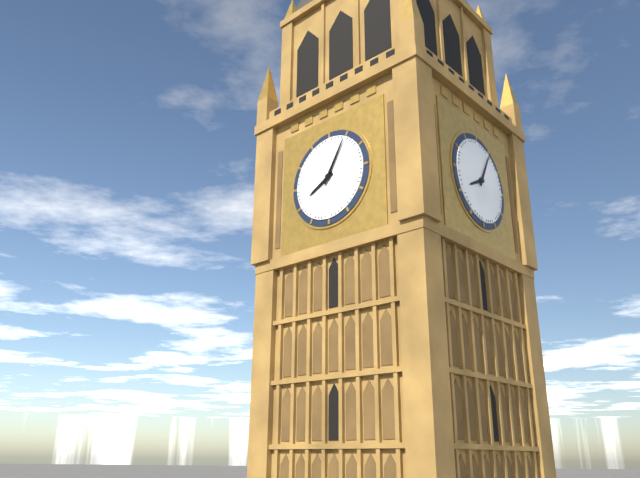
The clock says 8:05
